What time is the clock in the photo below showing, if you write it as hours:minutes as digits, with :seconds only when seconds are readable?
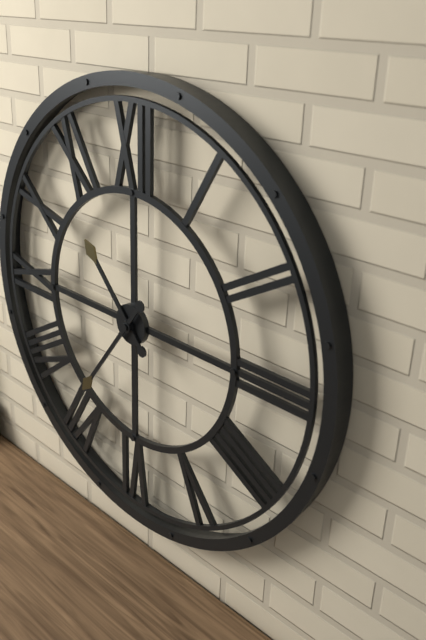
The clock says 10:36
